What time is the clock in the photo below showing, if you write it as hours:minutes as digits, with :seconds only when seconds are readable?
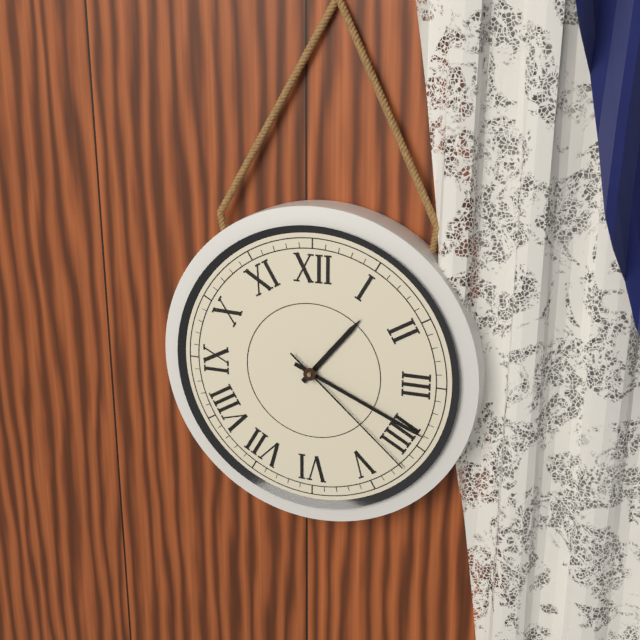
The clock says 1:19:22
